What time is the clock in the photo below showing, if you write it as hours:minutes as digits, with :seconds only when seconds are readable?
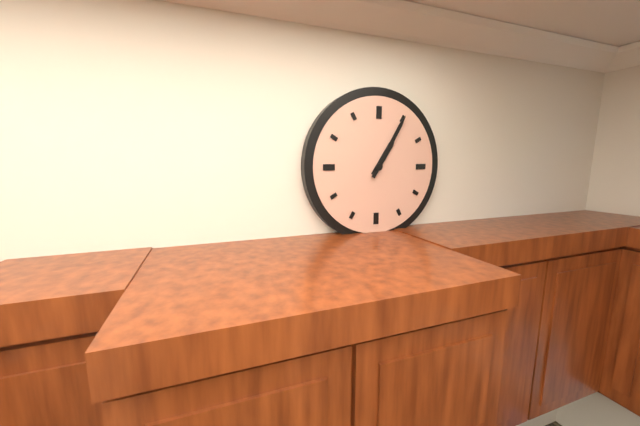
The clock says 1:05
